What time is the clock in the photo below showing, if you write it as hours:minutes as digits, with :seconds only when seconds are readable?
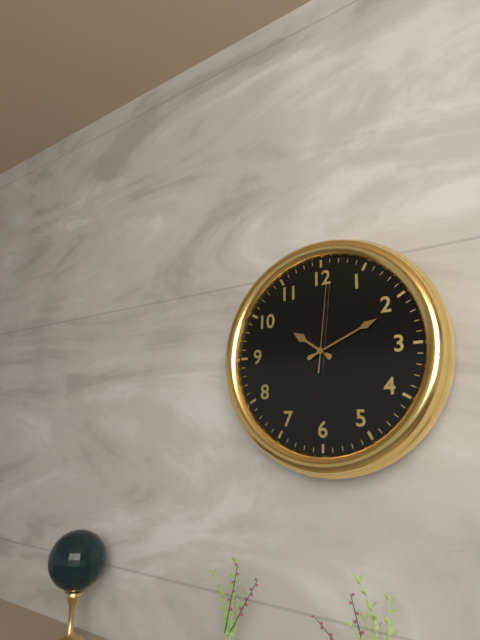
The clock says 10:11:01
